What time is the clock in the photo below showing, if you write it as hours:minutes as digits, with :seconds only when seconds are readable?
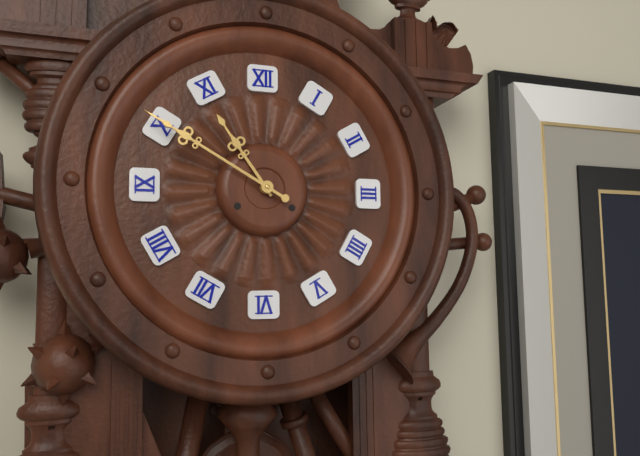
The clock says 10:50
